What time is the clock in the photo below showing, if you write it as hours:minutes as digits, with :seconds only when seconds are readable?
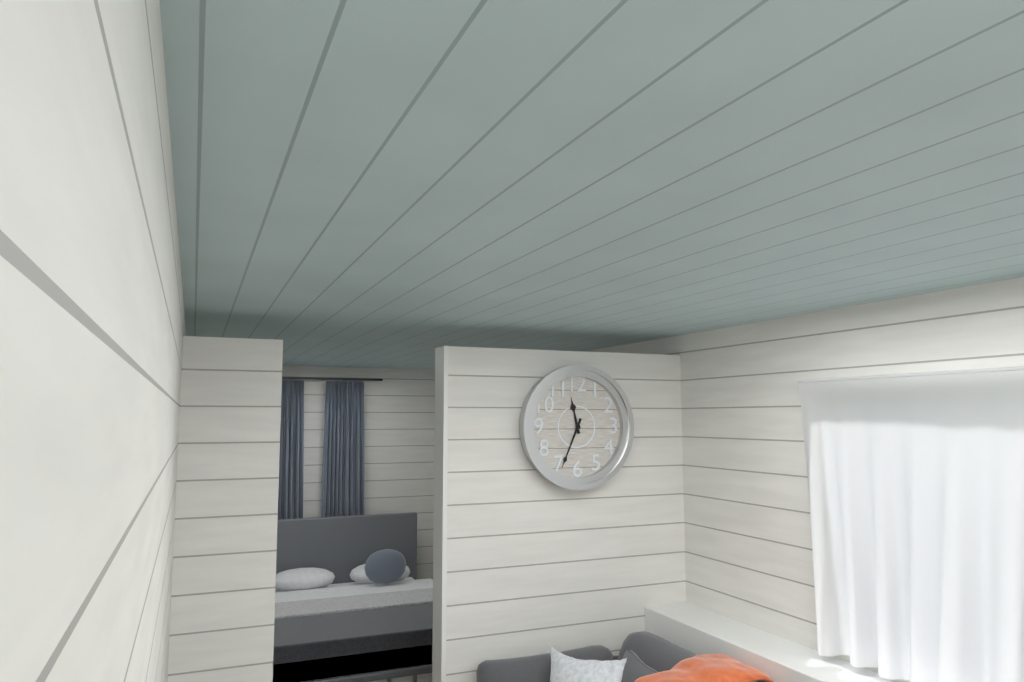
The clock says 11:34
